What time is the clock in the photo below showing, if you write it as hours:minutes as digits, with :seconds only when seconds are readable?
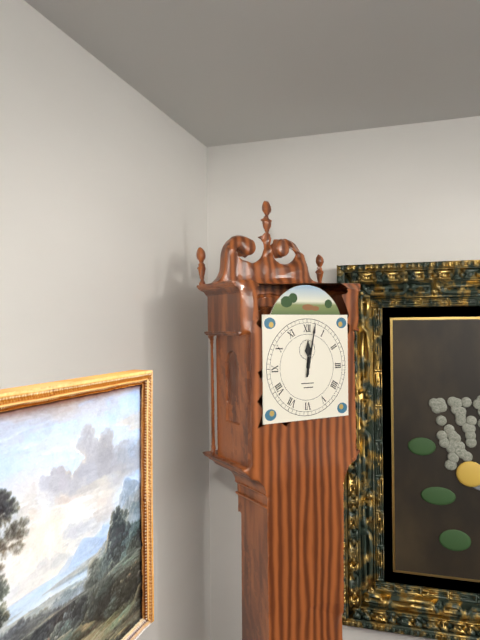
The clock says 12:02
